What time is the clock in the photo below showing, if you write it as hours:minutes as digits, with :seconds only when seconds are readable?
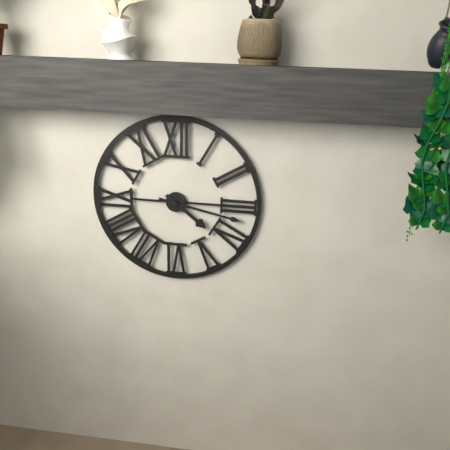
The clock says 4:17
